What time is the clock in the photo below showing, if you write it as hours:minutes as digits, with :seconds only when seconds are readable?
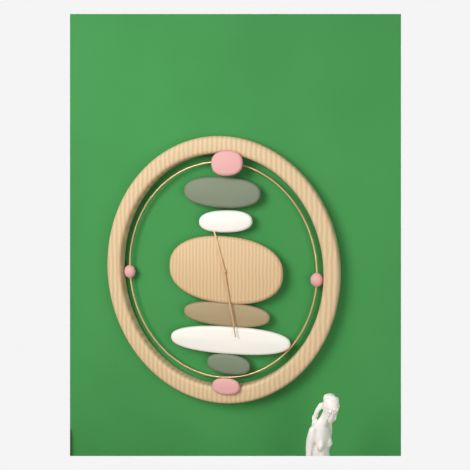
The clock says 11:28
